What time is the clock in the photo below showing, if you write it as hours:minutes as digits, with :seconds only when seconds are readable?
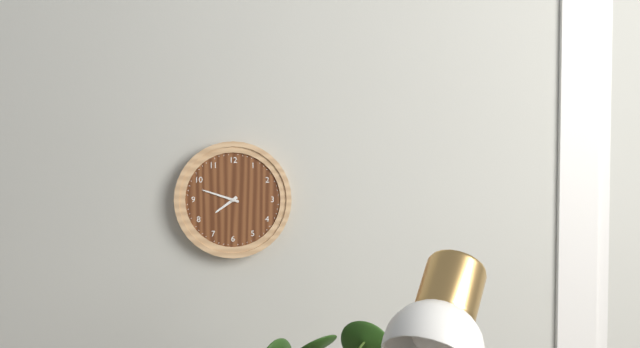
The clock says 7:48
